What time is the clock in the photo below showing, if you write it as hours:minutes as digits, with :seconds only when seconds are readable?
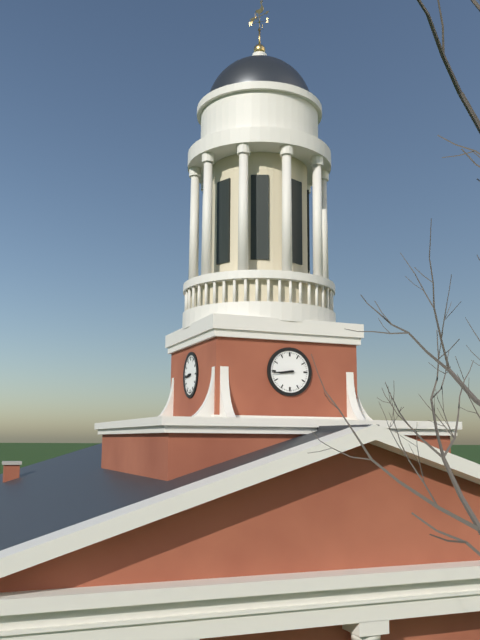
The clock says 8:44
